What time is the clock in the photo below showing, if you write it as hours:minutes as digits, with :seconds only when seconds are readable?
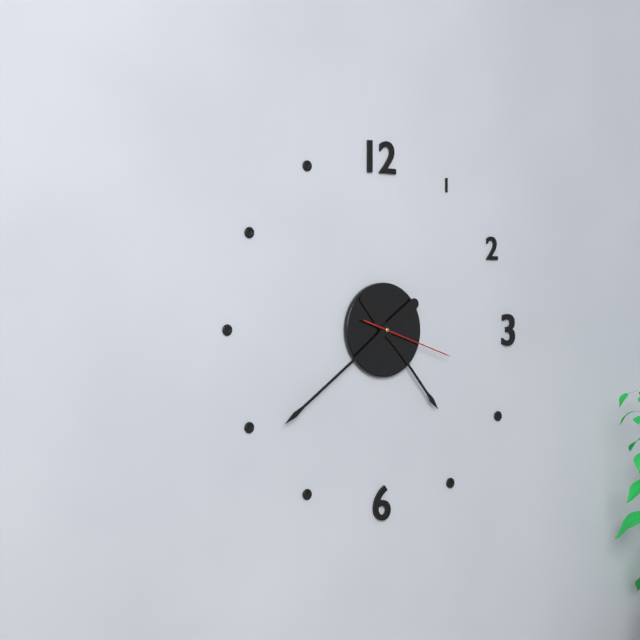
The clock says 4:39:18
